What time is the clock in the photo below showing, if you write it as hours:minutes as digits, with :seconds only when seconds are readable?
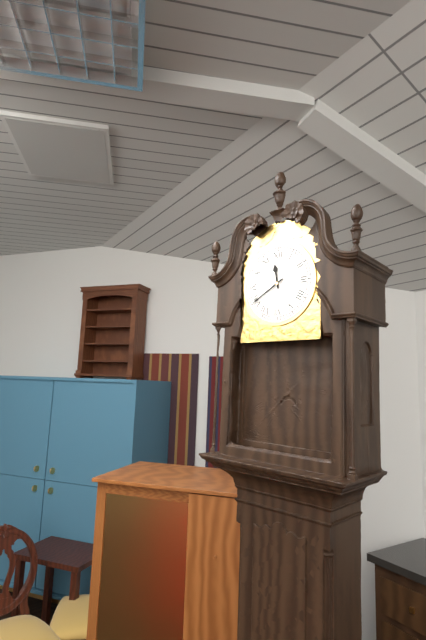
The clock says 11:40
